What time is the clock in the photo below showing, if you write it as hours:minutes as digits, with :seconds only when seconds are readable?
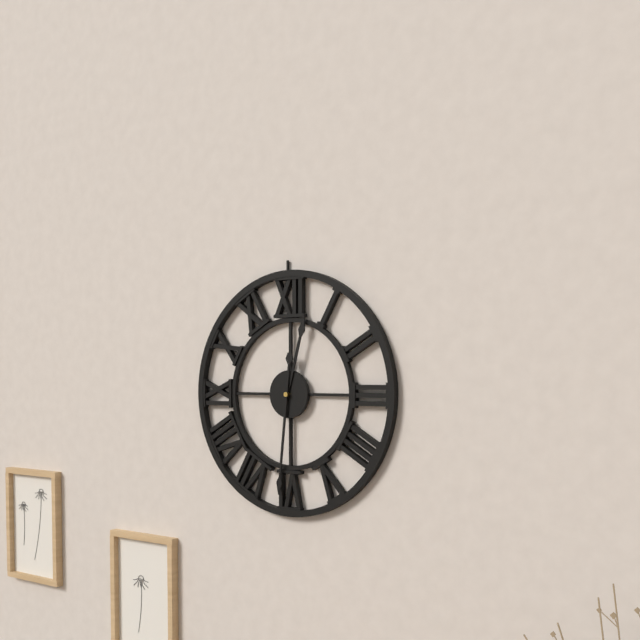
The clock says 12:31
